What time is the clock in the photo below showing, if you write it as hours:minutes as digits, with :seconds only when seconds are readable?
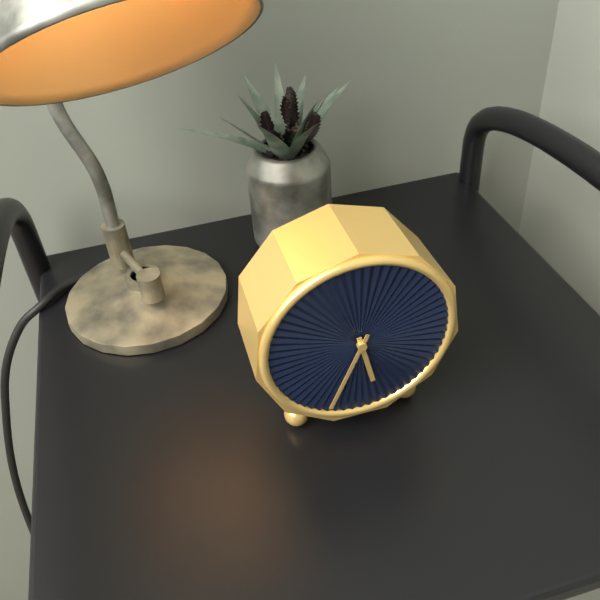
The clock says 5:34
